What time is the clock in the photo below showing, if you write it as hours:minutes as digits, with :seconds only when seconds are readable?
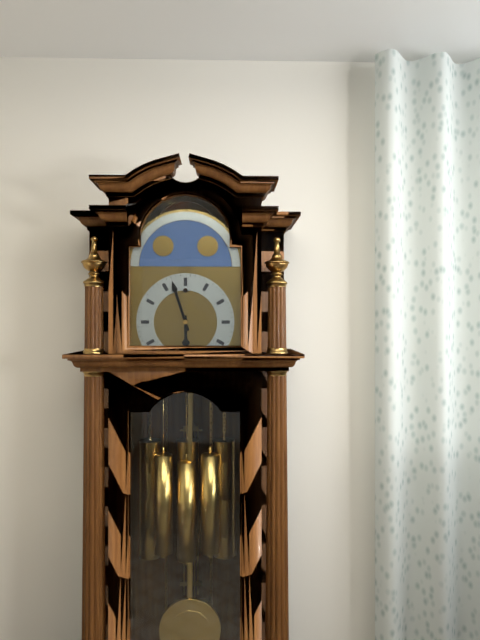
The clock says 5:57
